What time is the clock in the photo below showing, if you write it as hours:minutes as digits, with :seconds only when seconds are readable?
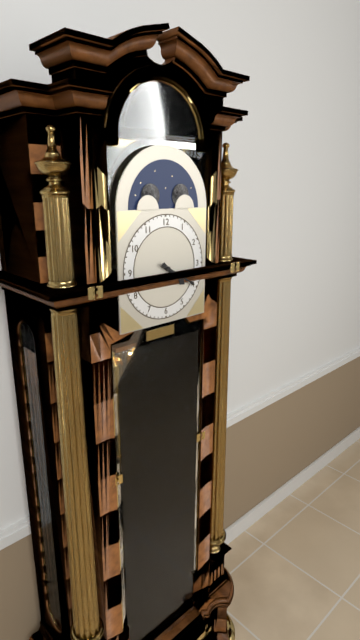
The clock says 4:20
